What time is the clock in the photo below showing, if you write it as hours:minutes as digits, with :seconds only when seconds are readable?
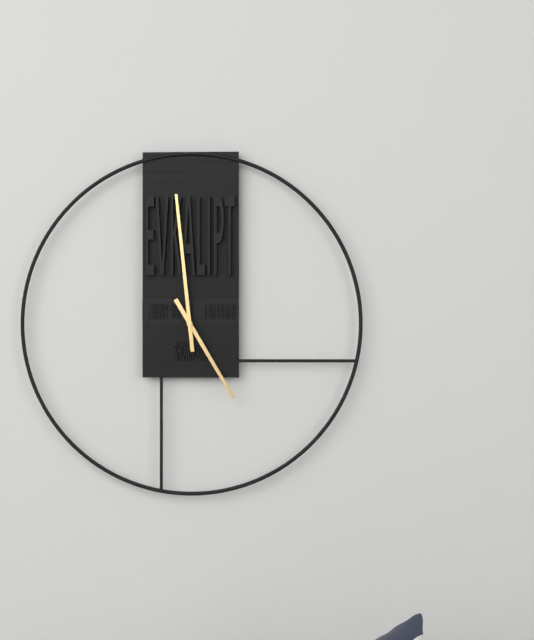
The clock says 4:59
